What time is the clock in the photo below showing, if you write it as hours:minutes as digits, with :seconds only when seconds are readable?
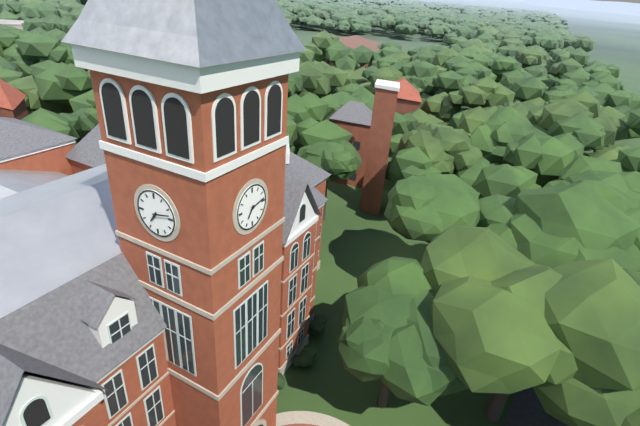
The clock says 7:13
